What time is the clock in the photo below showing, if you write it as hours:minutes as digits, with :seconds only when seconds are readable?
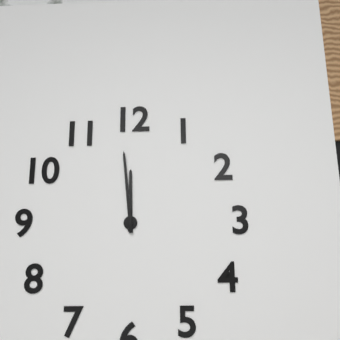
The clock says 11:59
